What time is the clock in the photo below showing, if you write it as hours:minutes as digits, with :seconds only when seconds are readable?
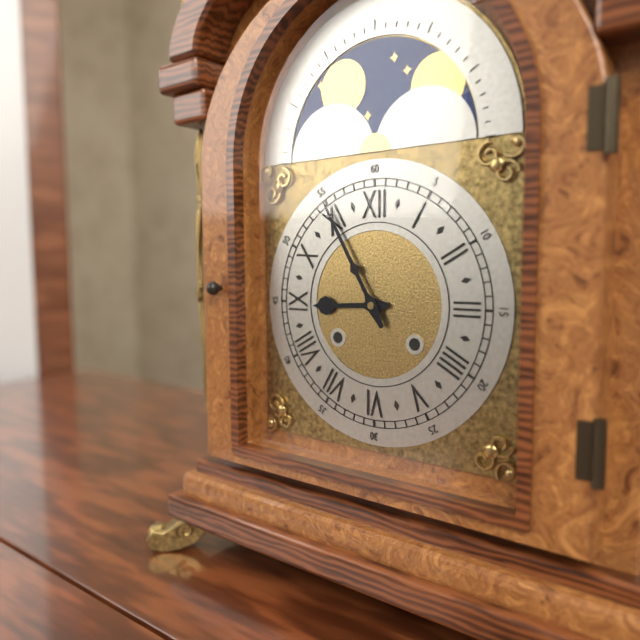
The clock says 8:55
